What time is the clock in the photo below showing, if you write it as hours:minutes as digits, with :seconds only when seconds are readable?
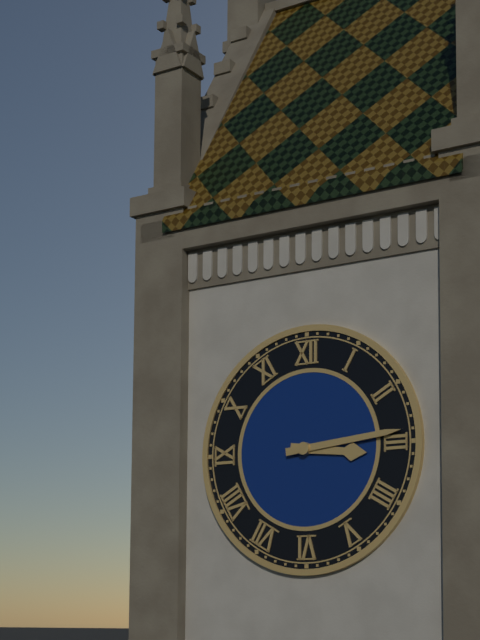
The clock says 3:14
